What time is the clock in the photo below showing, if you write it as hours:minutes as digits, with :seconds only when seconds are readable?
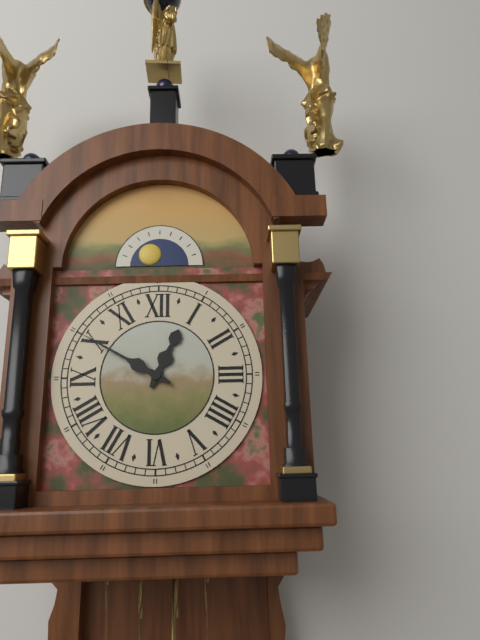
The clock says 12:50
